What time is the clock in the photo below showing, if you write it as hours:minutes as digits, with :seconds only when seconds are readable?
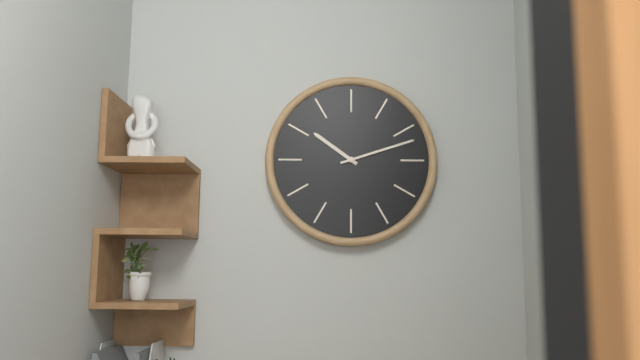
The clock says 10:12
